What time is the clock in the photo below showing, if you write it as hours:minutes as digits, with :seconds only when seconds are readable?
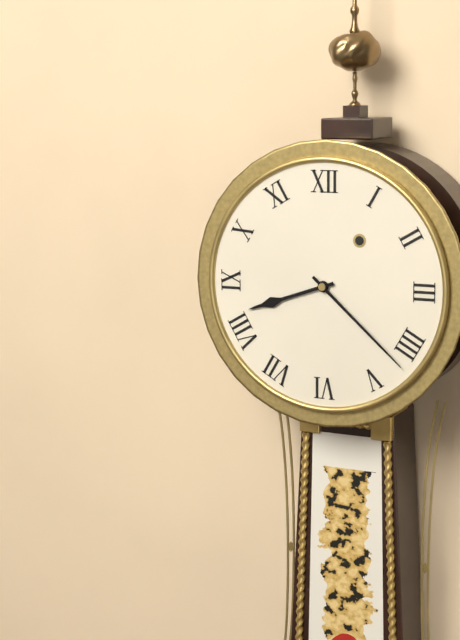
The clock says 8:22
